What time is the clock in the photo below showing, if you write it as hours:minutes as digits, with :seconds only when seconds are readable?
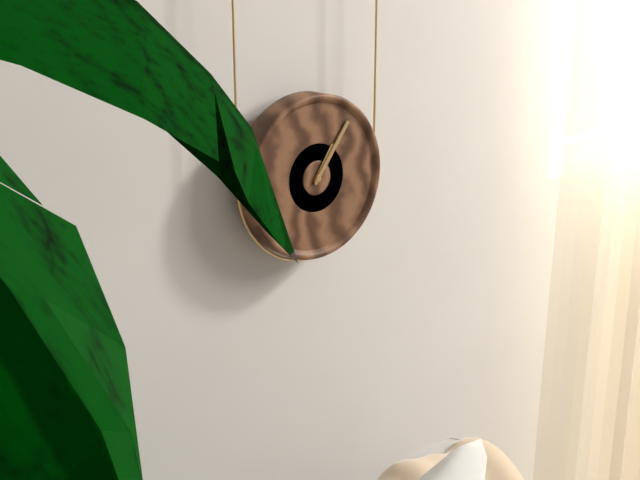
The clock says 1:06
